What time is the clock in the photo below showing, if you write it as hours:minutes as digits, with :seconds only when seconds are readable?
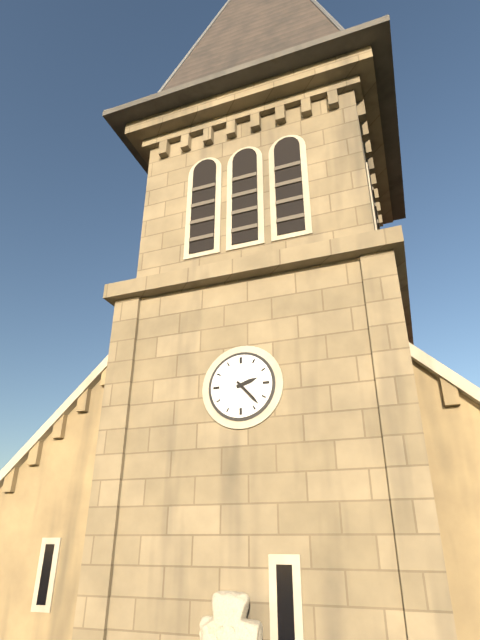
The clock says 2:23
